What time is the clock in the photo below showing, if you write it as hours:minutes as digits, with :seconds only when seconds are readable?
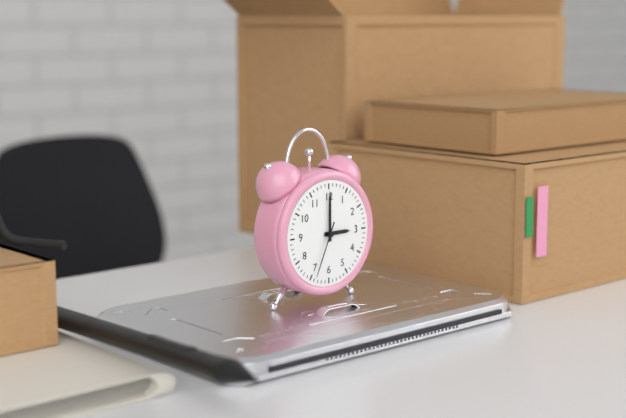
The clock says 3:00:34
